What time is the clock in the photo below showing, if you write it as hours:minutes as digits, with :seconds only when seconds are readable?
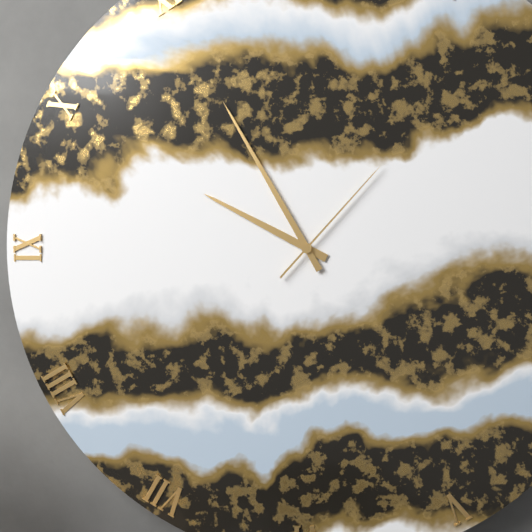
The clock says 9:55:07
